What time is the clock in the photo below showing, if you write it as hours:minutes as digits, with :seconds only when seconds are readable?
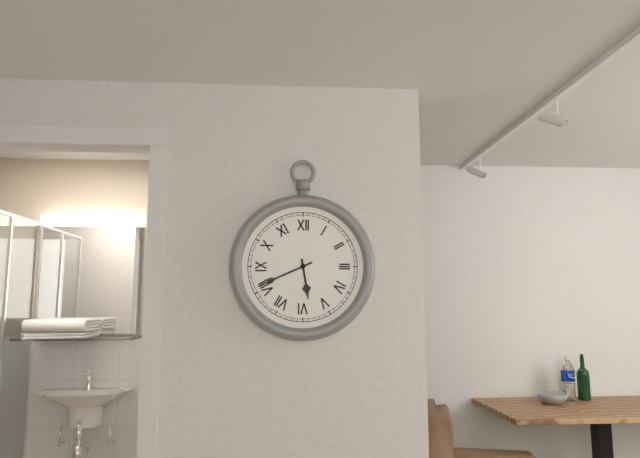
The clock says 5:41
